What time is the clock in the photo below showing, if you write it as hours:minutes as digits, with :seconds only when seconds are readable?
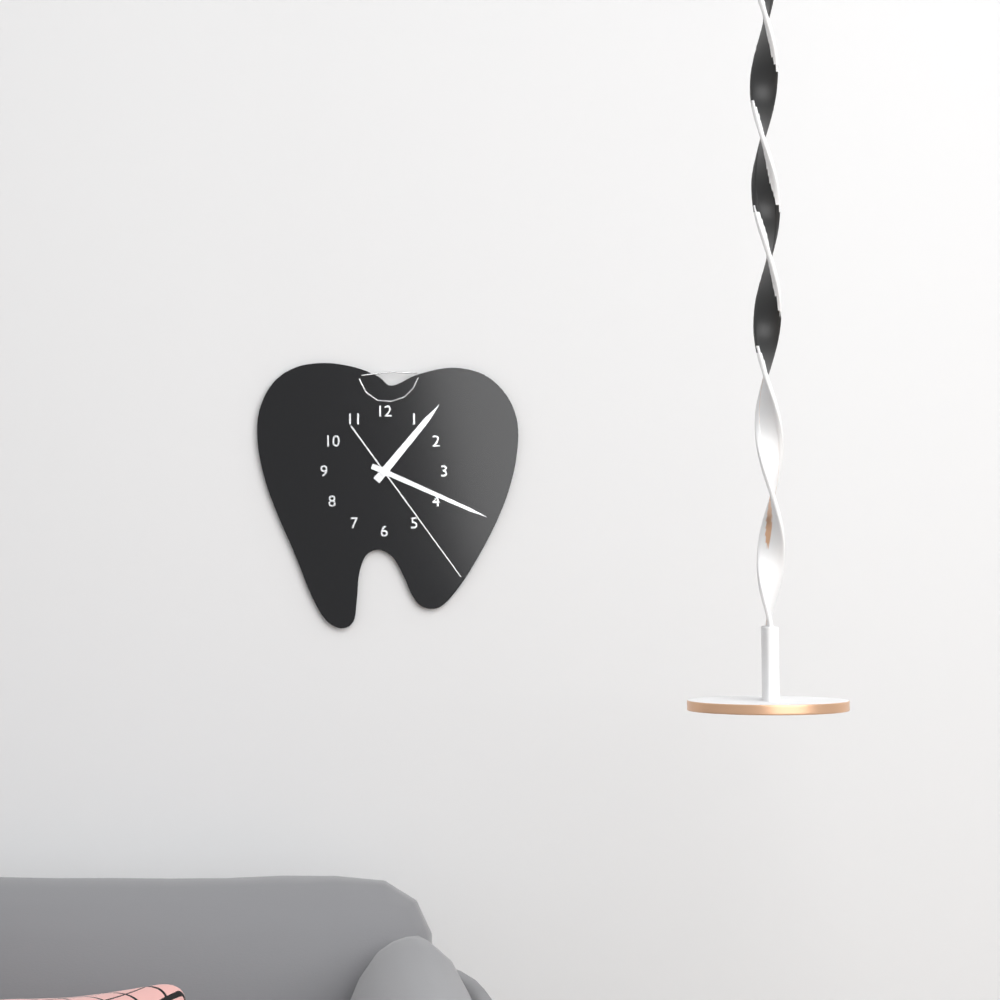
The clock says 1:19:24
